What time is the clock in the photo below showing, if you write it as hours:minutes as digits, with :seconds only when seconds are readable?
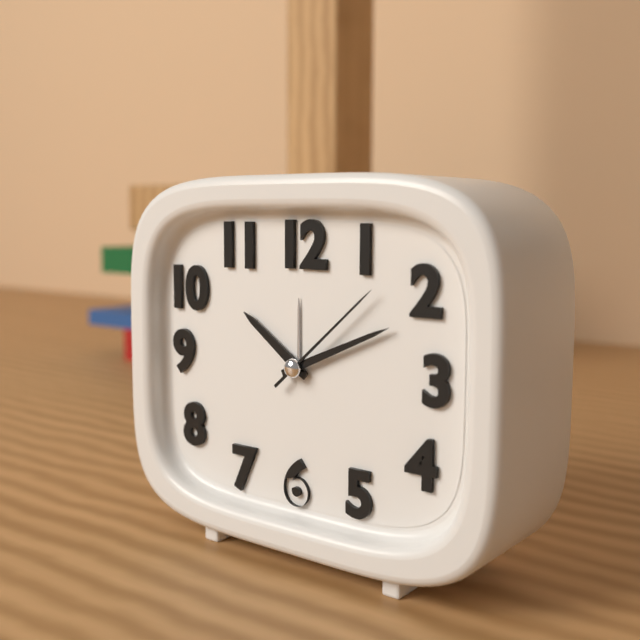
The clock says 10:11:08
